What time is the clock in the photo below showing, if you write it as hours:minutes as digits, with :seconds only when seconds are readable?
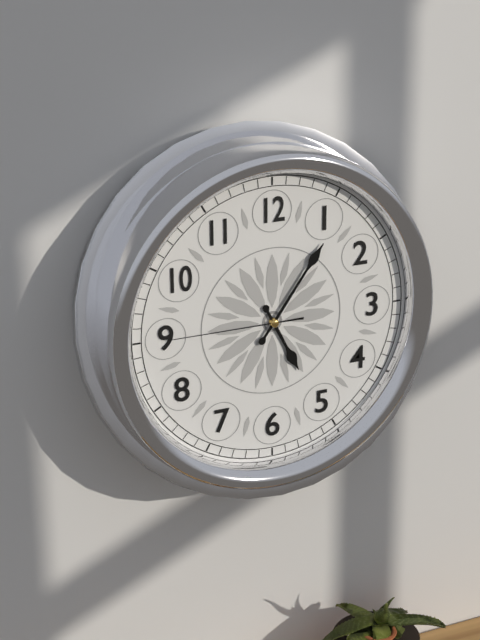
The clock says 5:06:45
